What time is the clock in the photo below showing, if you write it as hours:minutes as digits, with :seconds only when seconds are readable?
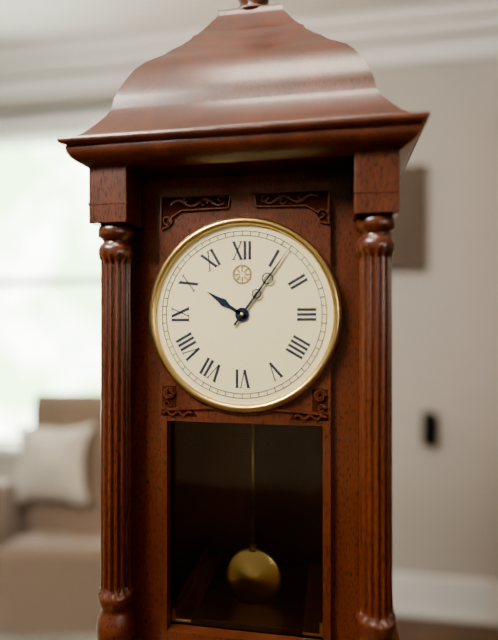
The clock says 10:06
